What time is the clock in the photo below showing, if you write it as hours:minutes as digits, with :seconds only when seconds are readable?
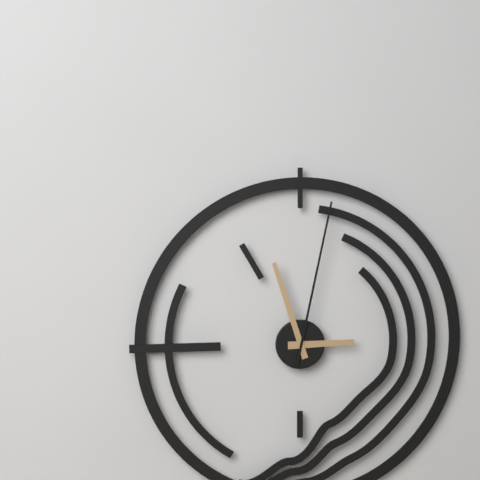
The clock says 2:57:02
